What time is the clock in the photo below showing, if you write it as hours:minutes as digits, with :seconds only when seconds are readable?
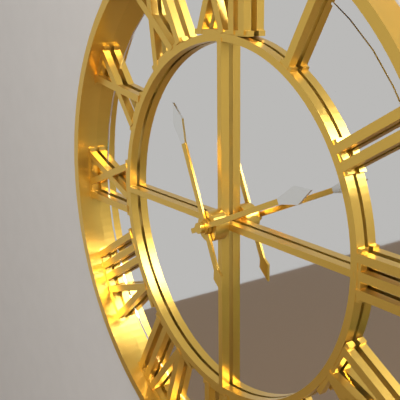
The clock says 11:11
